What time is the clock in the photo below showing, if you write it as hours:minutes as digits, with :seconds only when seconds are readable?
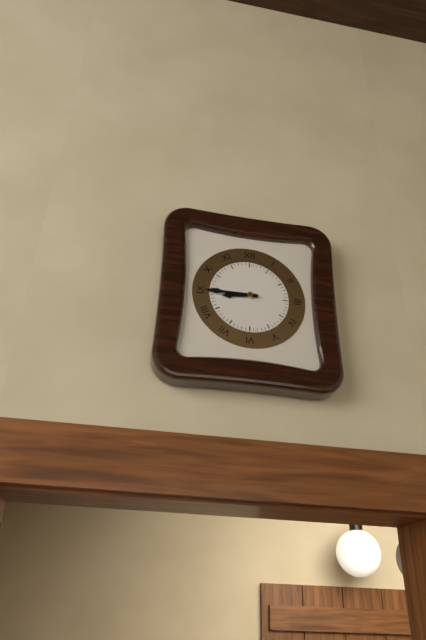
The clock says 8:45
